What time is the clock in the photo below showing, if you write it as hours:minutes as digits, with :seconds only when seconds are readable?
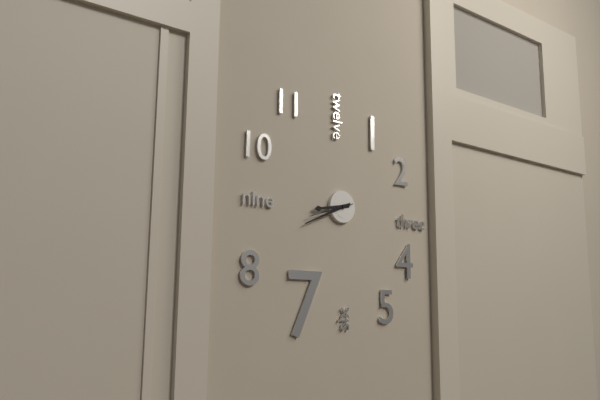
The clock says 8:41
